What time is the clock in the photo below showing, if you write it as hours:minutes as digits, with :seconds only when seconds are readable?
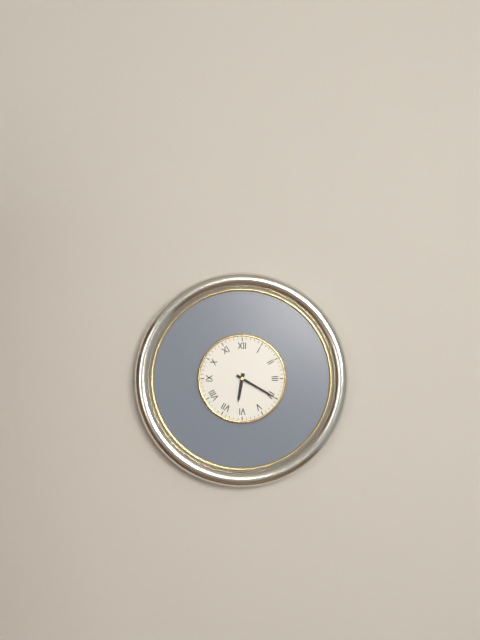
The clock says 6:20
